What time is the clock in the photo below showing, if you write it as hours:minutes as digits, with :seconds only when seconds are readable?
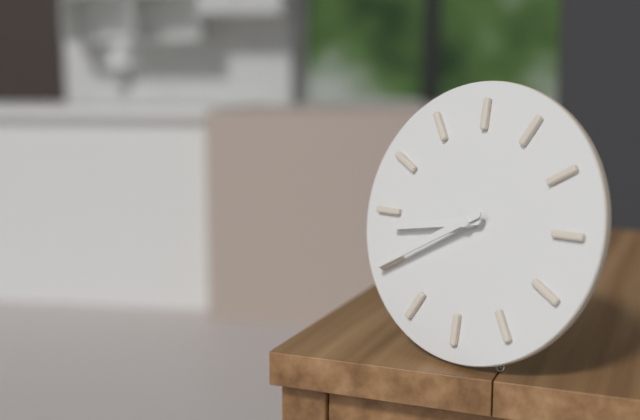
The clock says 8:40
